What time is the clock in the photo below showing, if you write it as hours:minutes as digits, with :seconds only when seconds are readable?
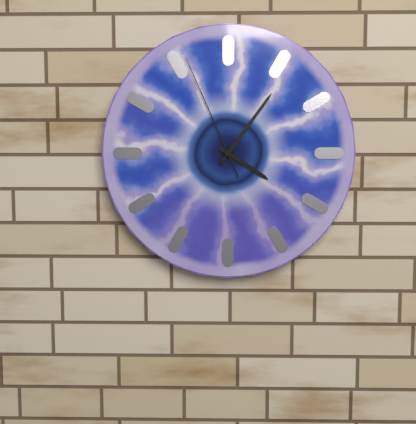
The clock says 4:06:56
